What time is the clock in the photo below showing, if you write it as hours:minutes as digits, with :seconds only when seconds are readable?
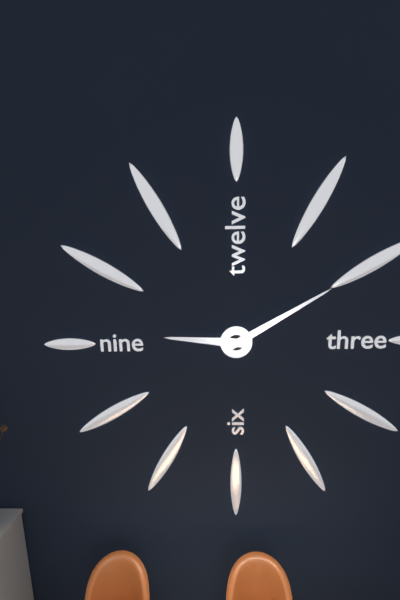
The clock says 9:10
